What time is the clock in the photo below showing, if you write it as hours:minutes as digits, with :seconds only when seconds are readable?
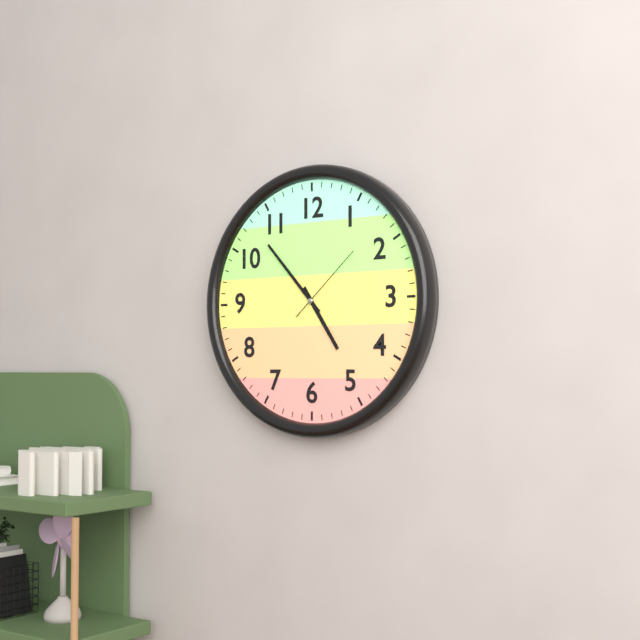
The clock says 4:53:08
